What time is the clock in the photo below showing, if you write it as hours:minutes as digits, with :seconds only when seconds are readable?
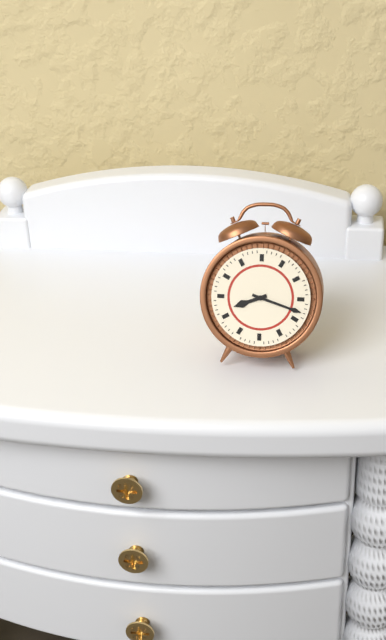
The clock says 8:18
